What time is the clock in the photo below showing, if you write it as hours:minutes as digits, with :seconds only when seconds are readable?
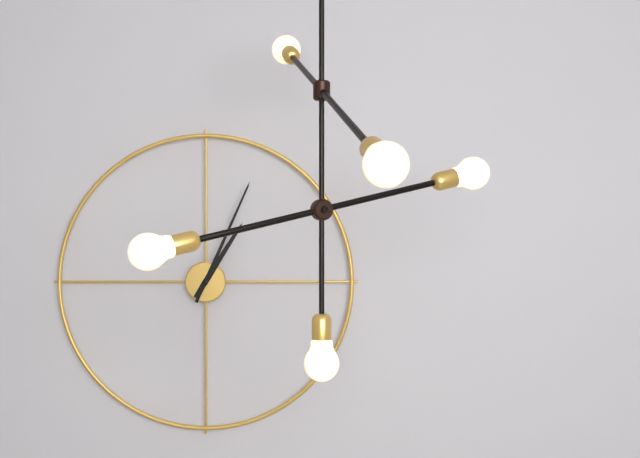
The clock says 1:04
